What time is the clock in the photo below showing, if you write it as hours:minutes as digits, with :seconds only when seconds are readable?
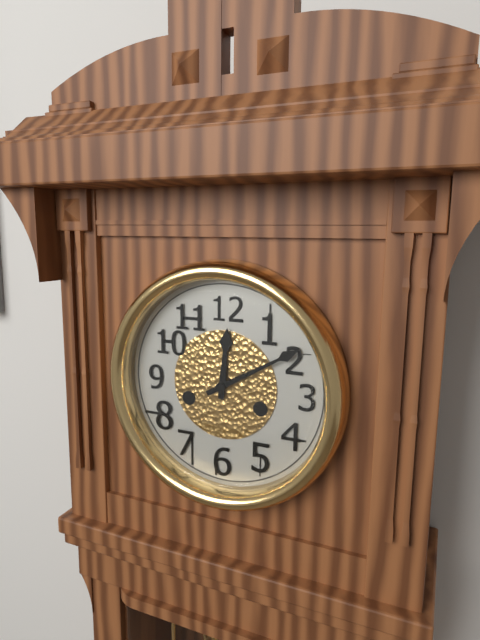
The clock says 12:10
